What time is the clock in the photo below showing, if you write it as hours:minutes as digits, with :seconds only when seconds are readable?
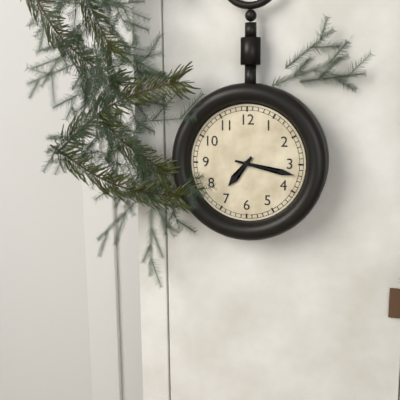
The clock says 7:17
